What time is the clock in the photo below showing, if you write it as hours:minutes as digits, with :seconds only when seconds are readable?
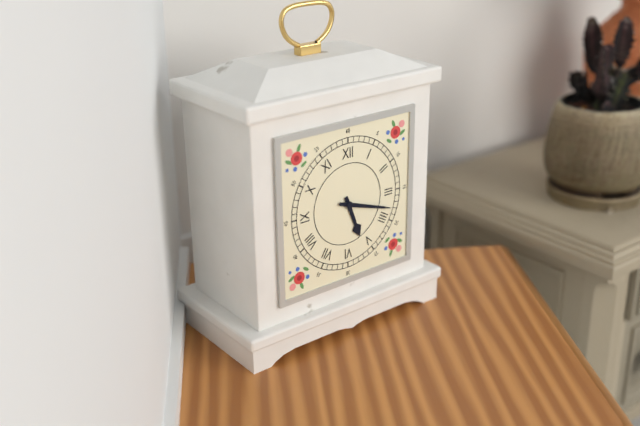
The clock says 5:18
